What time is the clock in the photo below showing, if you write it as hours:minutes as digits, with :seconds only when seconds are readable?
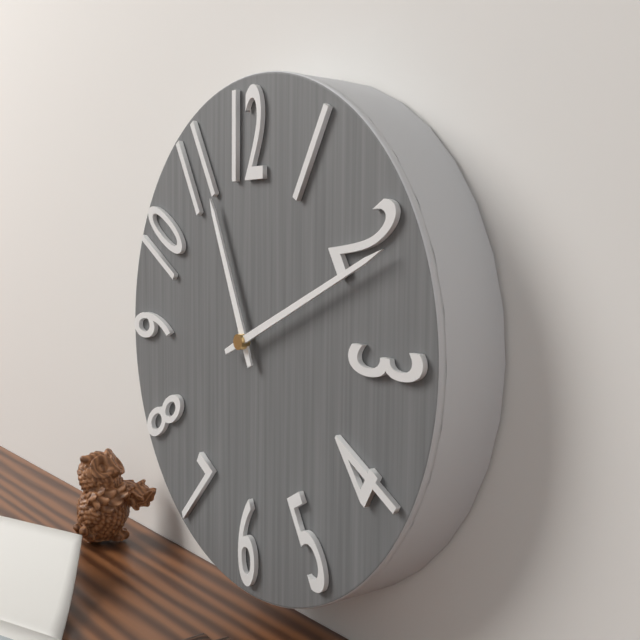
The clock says 11:11
